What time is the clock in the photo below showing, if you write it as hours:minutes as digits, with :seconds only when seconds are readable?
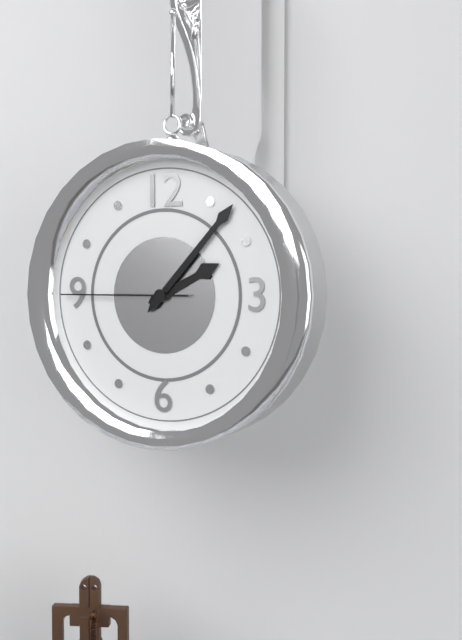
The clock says 2:07:45
